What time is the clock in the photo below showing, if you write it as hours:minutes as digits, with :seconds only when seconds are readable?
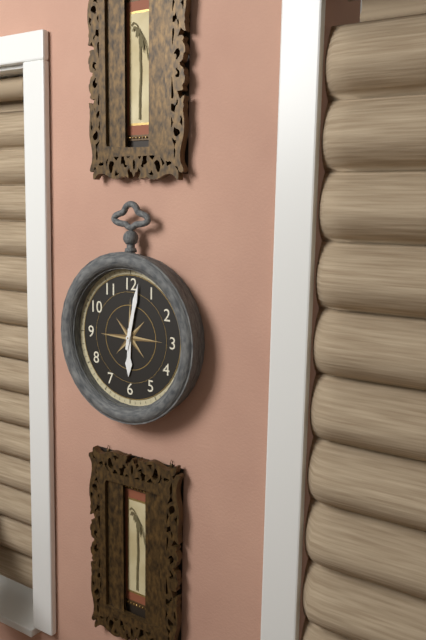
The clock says 6:02
